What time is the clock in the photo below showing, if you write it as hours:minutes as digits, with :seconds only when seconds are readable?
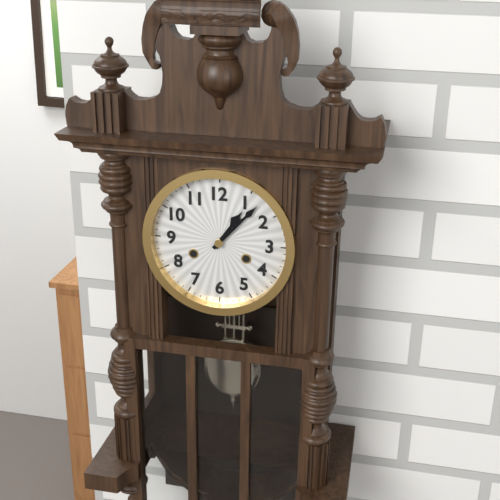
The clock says 1:07
